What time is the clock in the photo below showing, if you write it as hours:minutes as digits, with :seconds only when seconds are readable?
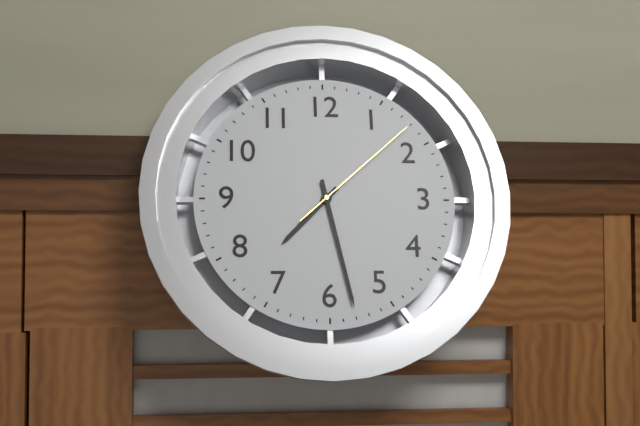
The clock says 7:28:08
